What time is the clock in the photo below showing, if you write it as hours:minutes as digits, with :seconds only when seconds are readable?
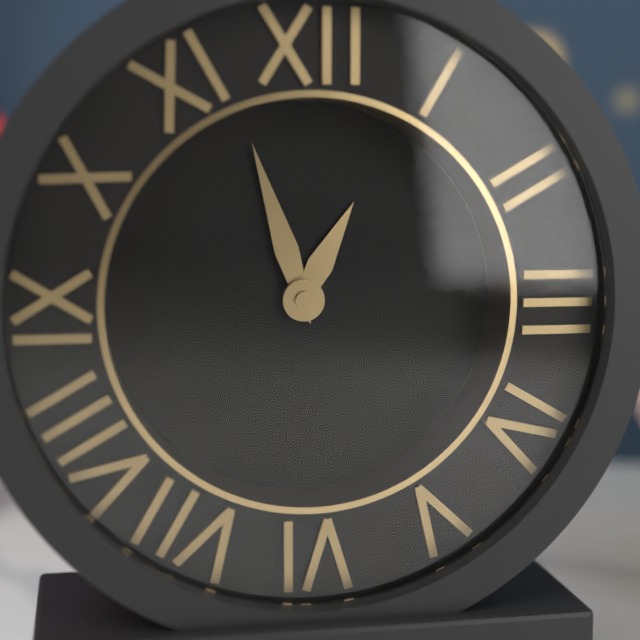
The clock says 12:57
